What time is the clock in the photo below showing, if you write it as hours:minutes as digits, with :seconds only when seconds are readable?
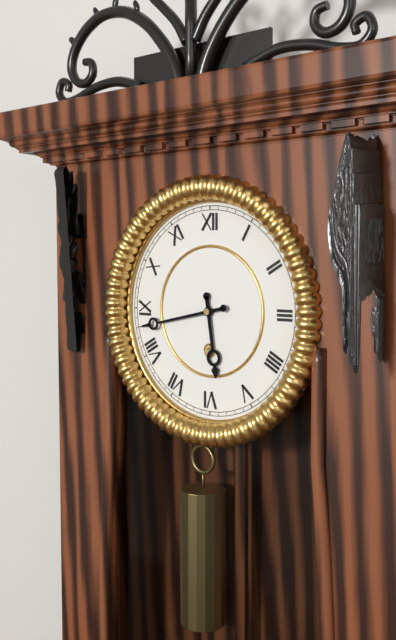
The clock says 5:43
